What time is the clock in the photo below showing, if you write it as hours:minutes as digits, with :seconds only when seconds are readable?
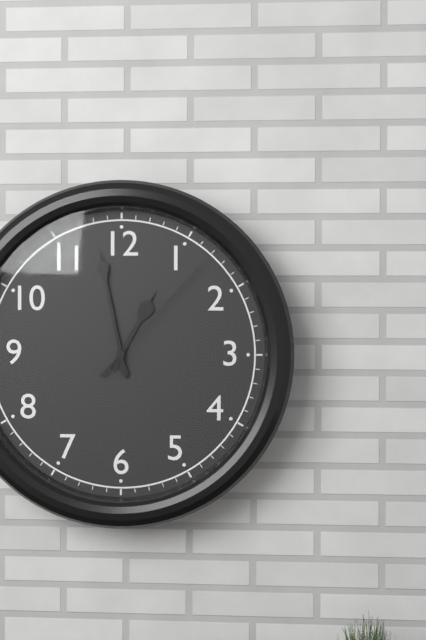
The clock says 12:58:07
